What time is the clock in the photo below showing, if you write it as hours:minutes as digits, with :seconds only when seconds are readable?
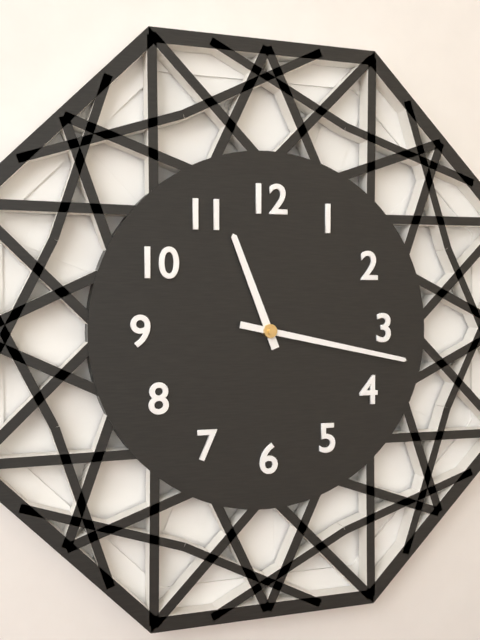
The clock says 11:17
